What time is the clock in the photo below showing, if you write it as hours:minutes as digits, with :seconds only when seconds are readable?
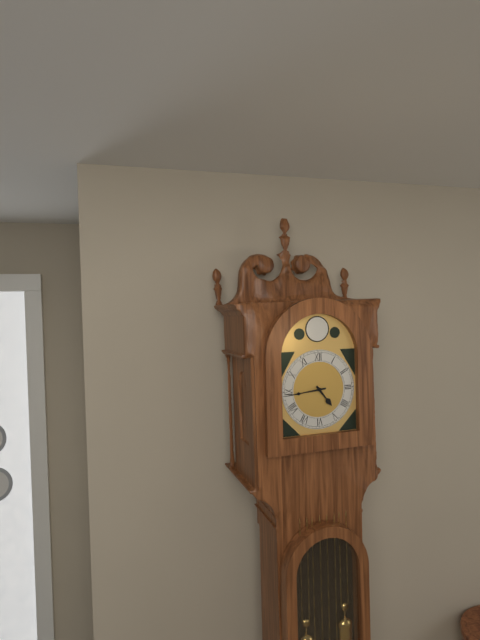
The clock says 4:44
